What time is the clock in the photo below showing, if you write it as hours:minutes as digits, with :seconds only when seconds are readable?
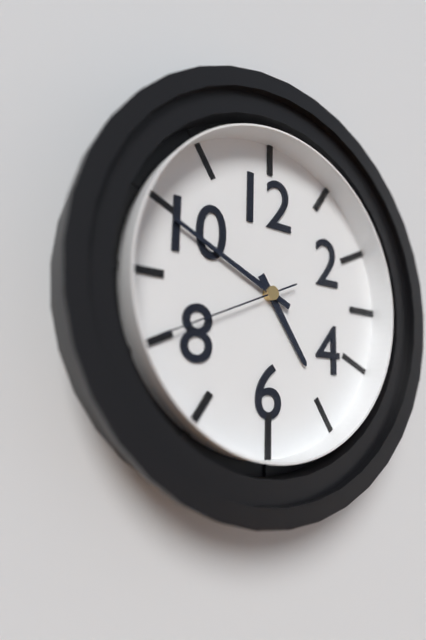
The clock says 4:49:41
